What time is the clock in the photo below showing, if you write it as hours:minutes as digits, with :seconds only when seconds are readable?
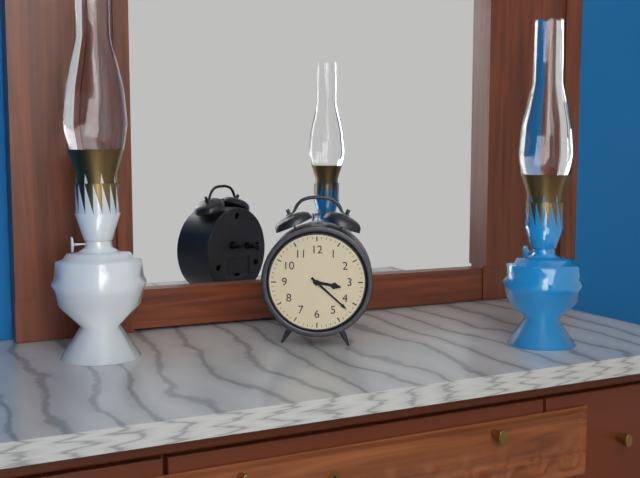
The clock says 3:22
